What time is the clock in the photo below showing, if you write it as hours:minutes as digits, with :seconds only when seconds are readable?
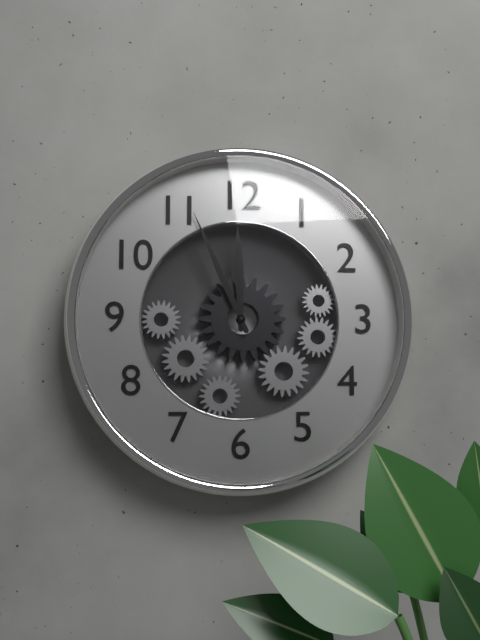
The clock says 11:56
